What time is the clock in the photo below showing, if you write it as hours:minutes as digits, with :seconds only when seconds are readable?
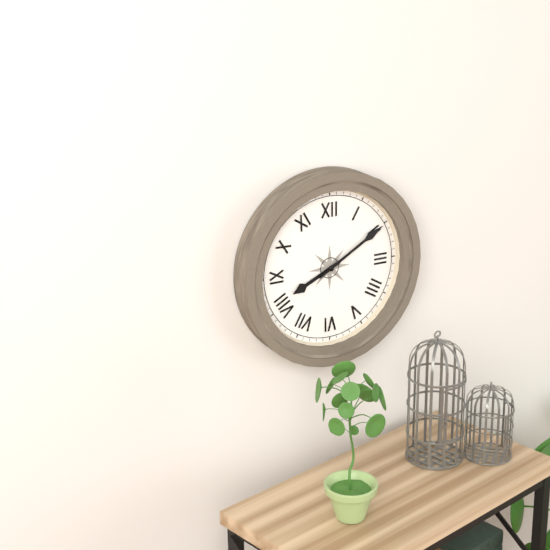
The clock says 8:10
